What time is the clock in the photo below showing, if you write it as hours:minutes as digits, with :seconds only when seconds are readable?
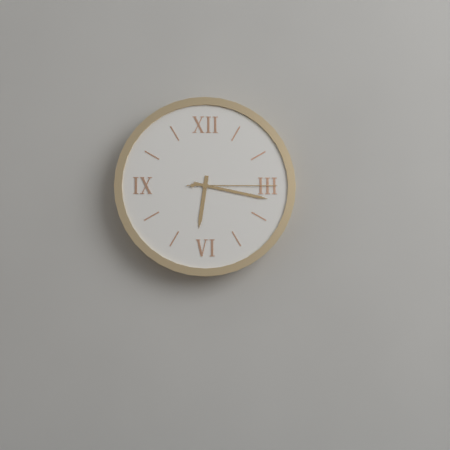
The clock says 6:17:15
